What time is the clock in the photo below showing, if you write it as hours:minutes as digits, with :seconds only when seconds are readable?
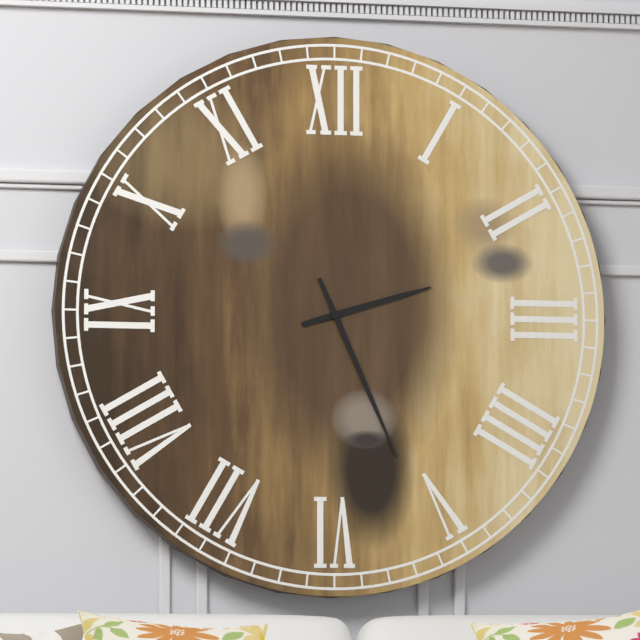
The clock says 2:26
